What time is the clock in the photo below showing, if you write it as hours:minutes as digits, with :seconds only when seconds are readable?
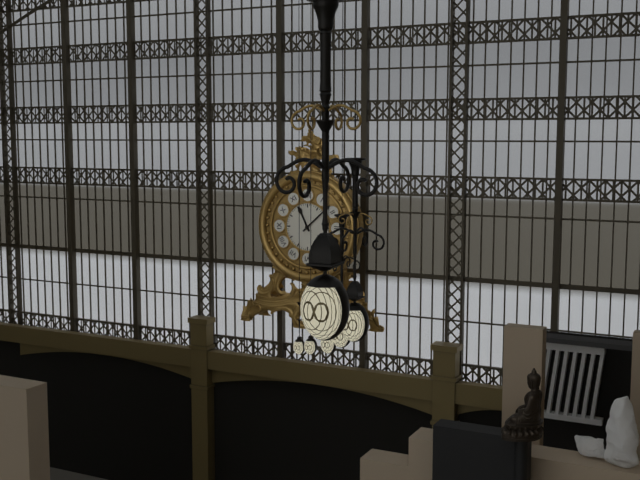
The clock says 11:08
